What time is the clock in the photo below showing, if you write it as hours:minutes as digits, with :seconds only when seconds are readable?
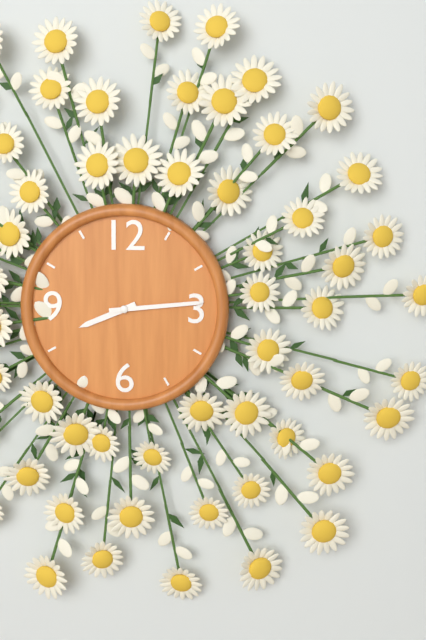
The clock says 8:14
